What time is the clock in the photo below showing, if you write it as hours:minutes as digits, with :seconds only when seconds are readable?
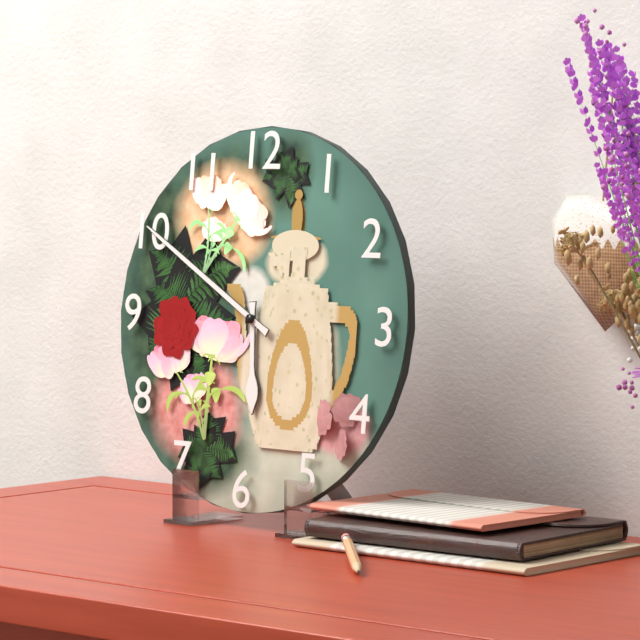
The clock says 5:50
